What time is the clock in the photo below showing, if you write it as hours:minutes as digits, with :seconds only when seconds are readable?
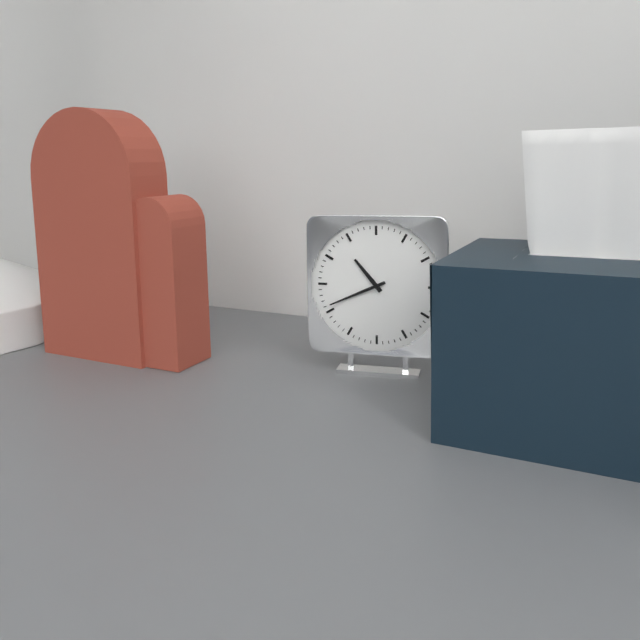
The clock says 10:41
